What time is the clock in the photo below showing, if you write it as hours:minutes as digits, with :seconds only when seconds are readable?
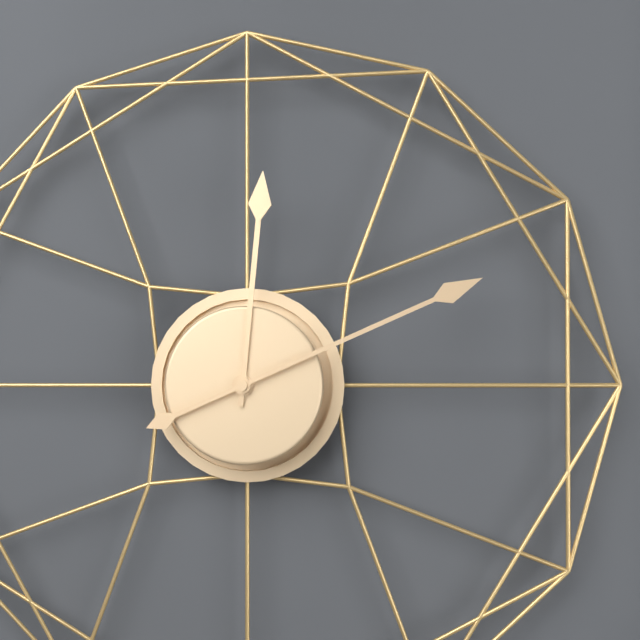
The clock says 12:11
